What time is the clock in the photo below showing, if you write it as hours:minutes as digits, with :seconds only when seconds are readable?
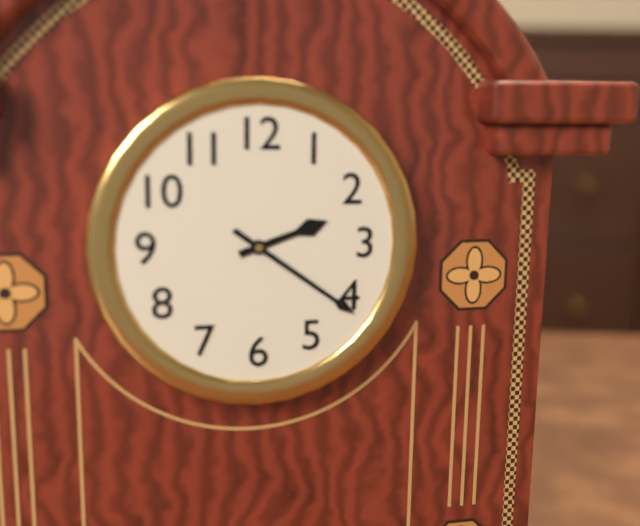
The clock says 2:21
